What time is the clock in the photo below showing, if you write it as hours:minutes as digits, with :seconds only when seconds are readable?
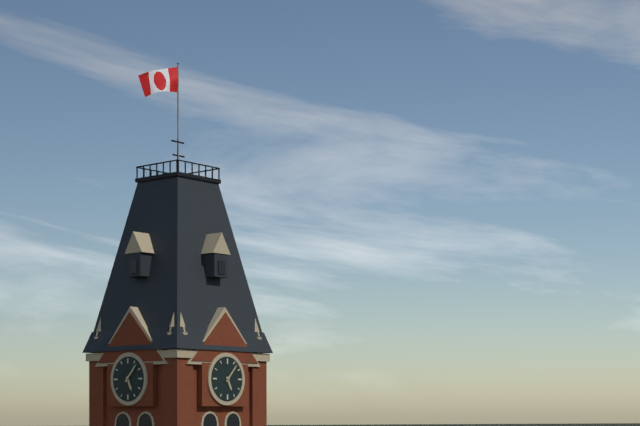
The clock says 5:07
